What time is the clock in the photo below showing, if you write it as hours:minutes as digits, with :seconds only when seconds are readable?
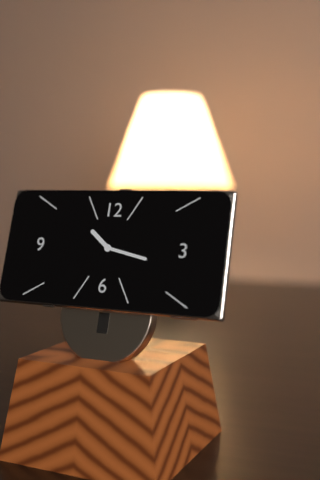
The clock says 10:17
